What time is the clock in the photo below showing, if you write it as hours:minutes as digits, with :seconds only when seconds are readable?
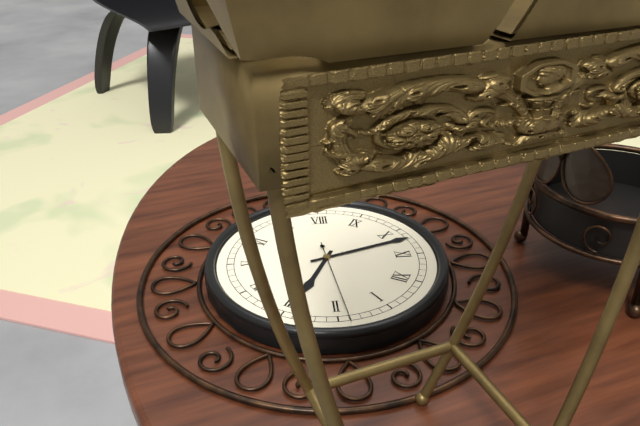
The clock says 2:52:09
